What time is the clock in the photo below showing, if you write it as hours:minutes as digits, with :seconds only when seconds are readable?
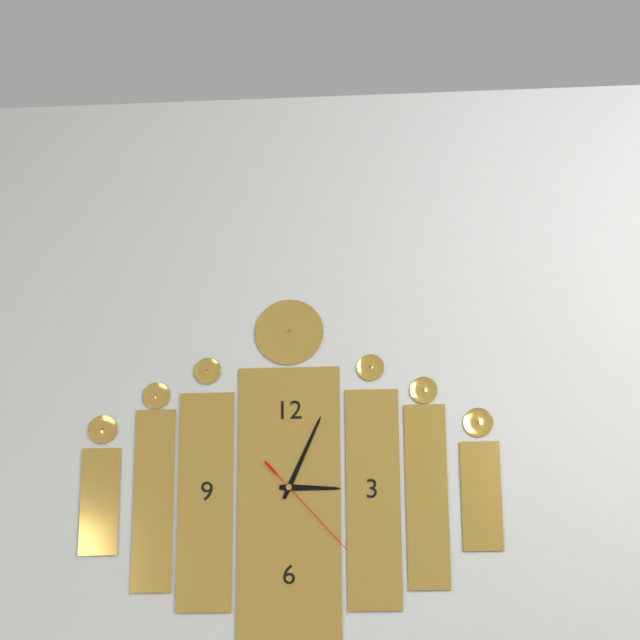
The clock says 3:04:23
